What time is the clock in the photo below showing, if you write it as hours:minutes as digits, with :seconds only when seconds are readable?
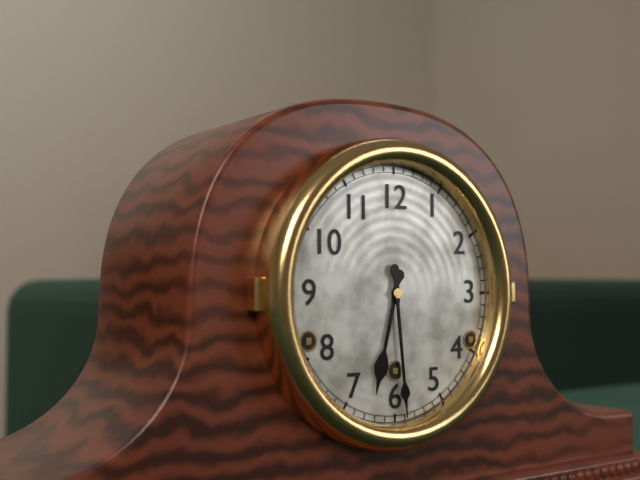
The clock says 6:29
